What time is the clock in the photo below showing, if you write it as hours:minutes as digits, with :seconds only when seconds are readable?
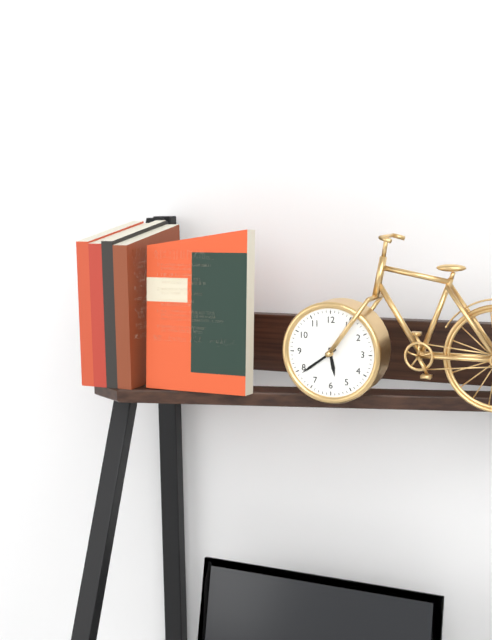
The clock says 5:39
